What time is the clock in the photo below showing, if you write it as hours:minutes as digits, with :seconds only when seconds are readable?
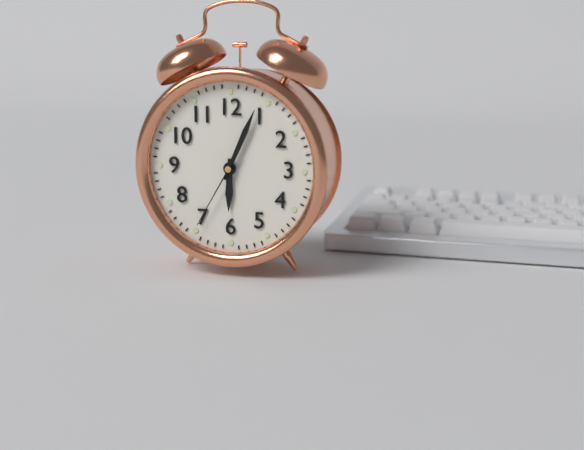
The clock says 6:04:35
